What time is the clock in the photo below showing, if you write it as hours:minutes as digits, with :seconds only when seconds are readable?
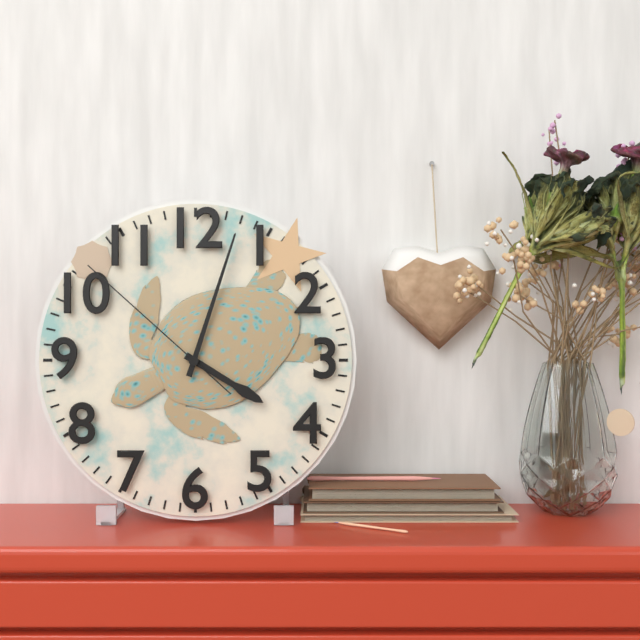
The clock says 4:03:52
